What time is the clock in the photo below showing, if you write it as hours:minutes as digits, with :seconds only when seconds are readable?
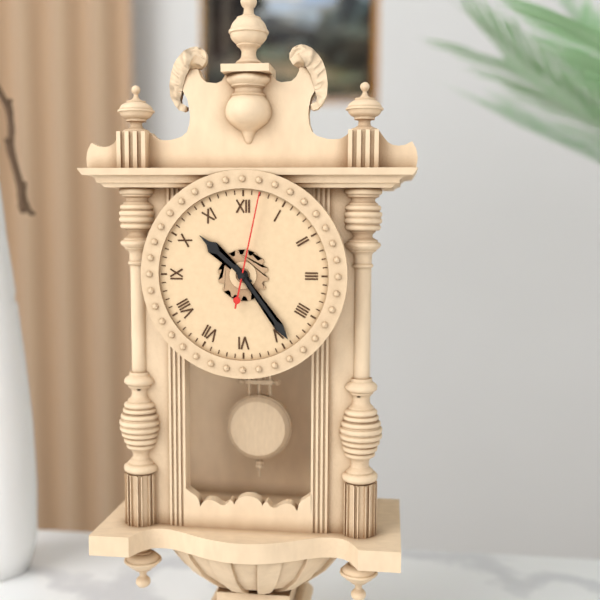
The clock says 10:24:02
